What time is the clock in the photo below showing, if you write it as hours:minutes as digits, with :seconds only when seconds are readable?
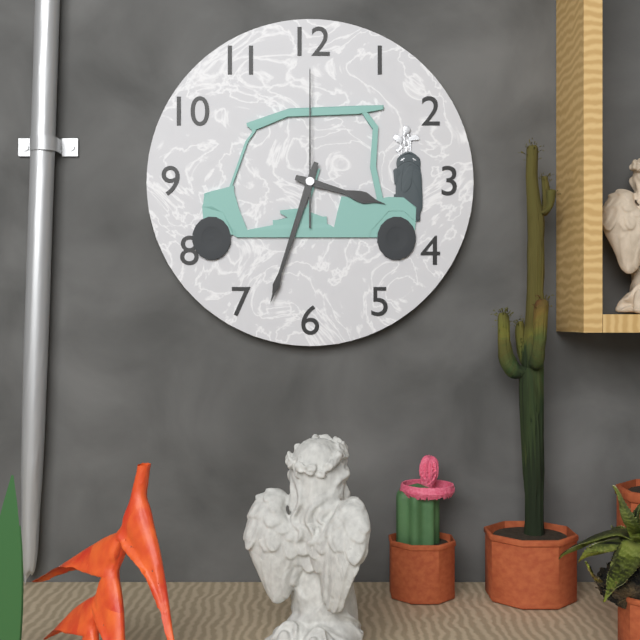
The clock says 3:33:00
